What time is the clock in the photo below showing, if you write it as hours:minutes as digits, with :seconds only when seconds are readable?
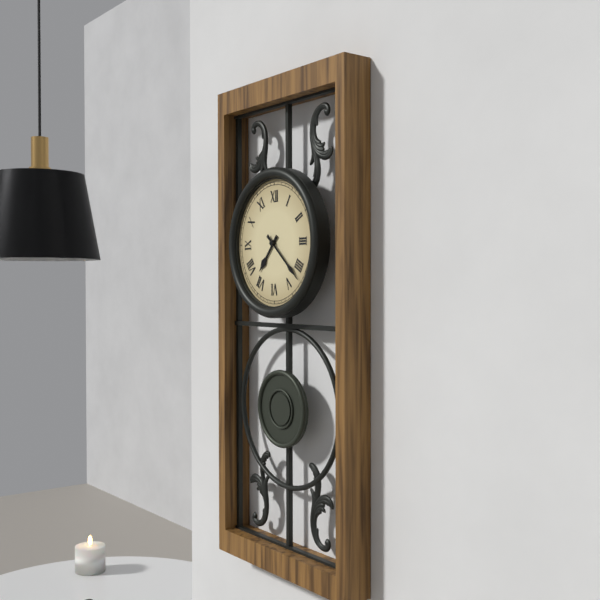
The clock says 7:22
